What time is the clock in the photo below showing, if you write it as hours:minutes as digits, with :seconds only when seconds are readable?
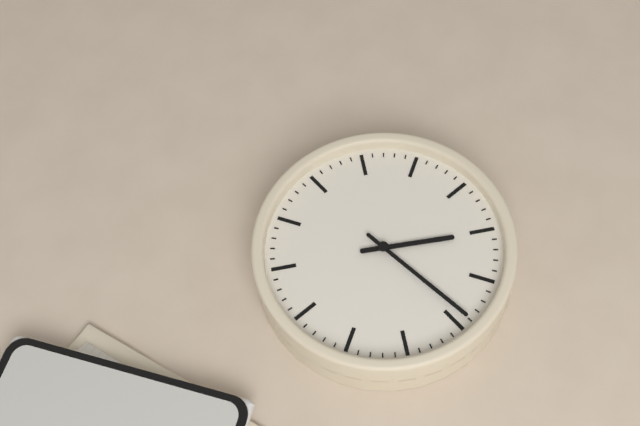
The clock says 11:04
